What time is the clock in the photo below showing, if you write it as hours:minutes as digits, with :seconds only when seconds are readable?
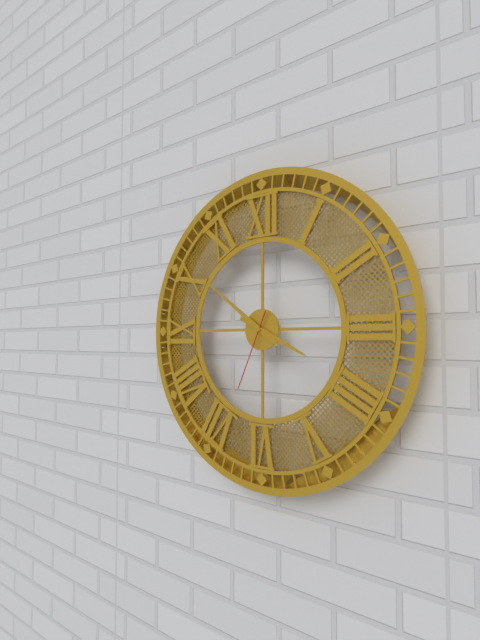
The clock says 3:51:34
